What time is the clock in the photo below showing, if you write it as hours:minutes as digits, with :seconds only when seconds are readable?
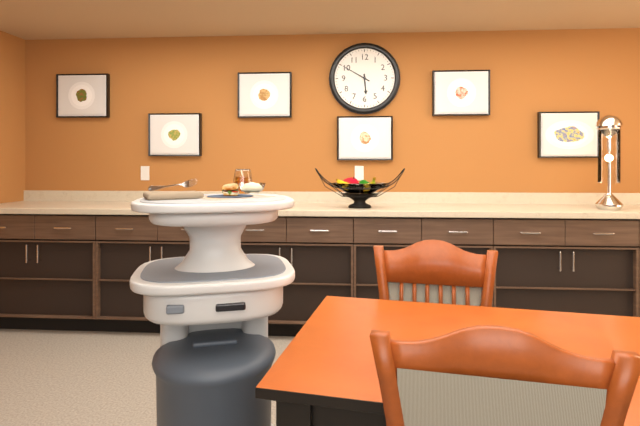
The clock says 5:50
